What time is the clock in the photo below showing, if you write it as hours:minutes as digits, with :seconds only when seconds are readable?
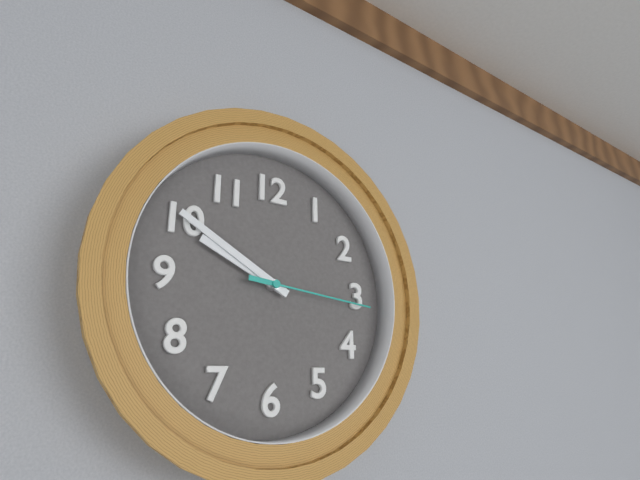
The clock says 9:50:16
